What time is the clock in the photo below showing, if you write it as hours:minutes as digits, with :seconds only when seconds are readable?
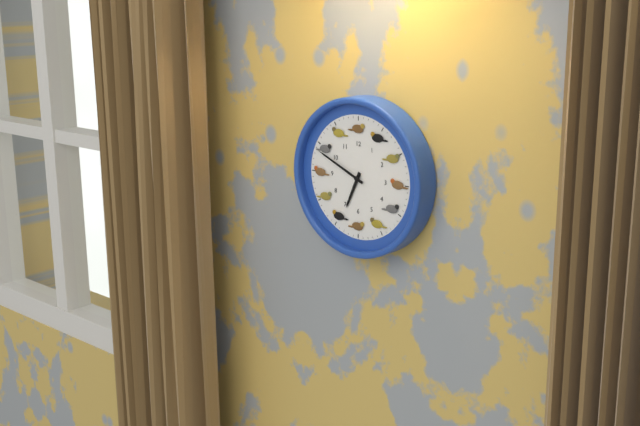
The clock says 6:49
